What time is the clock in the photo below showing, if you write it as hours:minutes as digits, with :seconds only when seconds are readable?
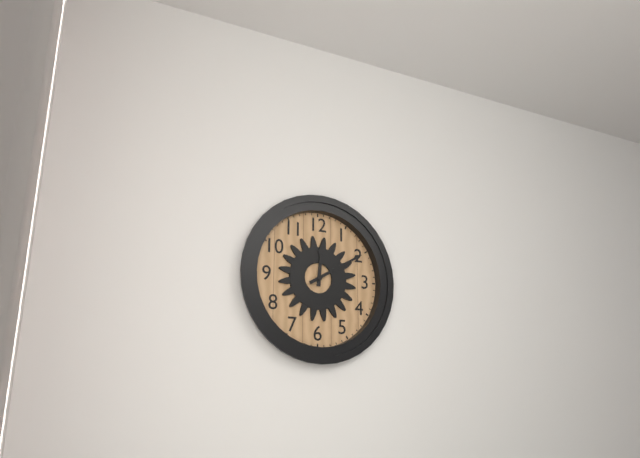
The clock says 12:10
